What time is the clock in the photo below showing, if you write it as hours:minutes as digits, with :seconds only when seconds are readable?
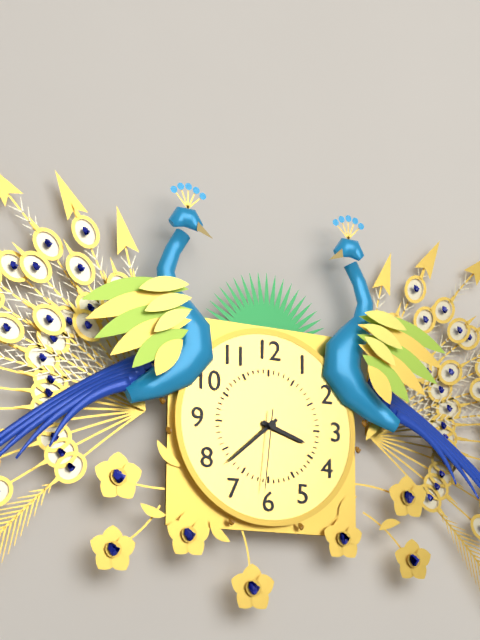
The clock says 3:38:31
